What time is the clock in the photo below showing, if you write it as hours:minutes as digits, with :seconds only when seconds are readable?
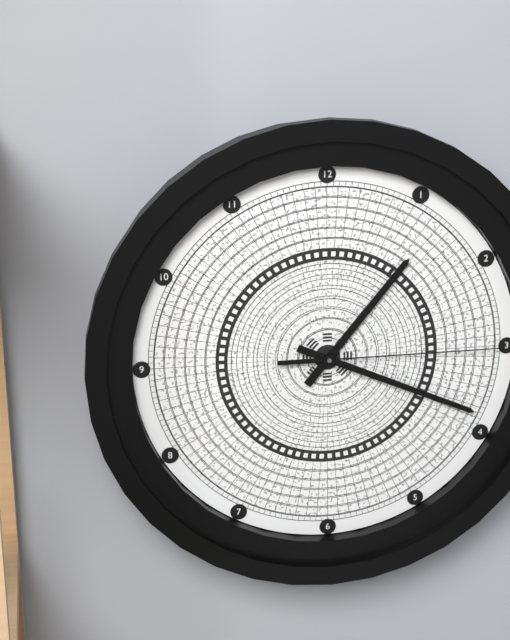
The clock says 1:19:15
